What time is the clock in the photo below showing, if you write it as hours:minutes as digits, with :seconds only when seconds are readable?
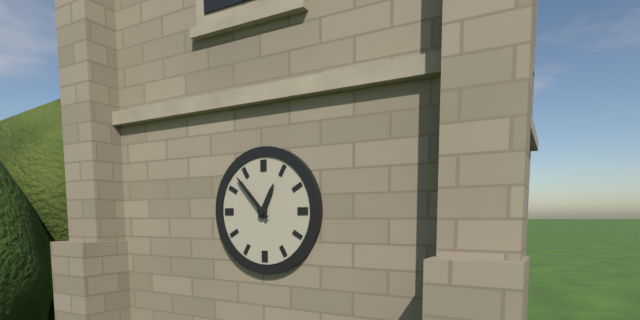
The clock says 12:53
